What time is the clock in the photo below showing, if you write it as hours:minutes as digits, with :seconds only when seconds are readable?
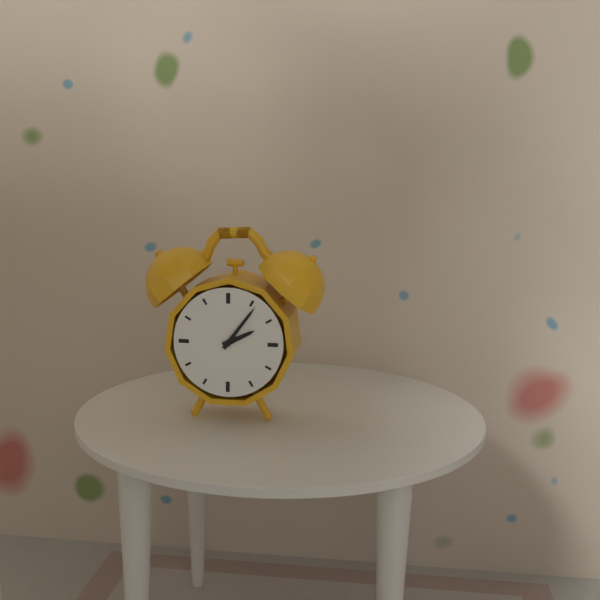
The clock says 2:06
